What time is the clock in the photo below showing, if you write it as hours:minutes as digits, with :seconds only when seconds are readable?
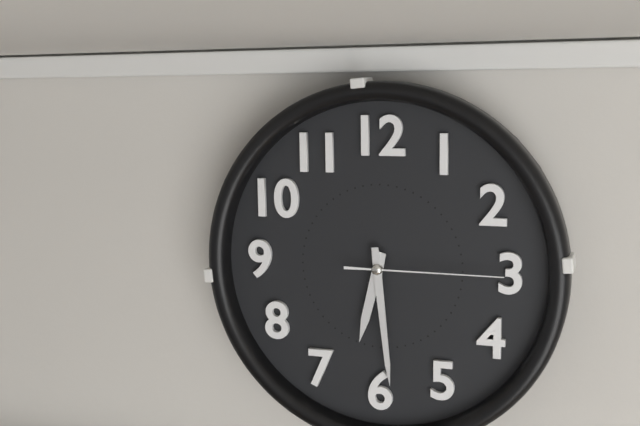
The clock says 6:29:15
